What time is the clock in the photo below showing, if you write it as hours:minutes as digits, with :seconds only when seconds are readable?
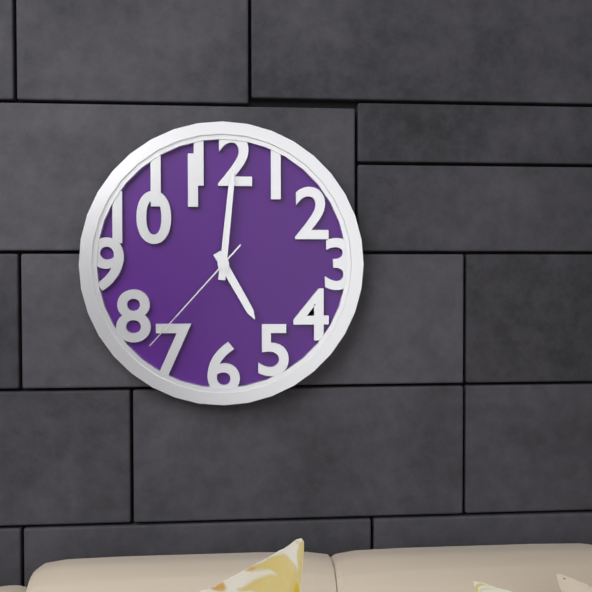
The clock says 5:01:37
